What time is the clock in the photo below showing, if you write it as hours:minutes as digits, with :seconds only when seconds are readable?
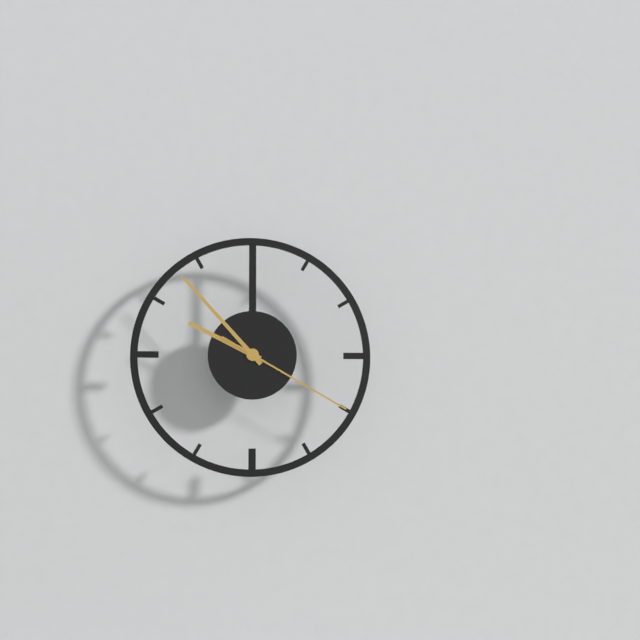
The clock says 9:53:20
